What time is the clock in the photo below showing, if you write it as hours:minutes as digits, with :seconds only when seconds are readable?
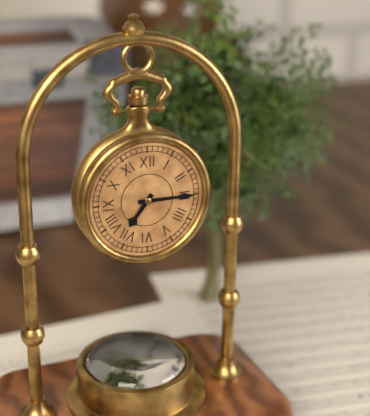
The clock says 7:15
